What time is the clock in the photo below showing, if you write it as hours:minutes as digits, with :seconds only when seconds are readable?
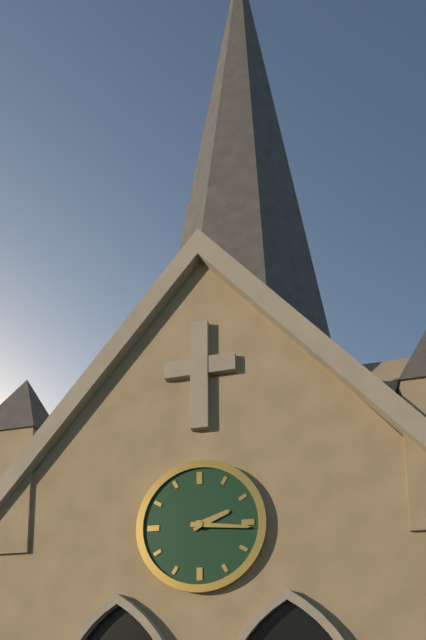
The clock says 2:16
